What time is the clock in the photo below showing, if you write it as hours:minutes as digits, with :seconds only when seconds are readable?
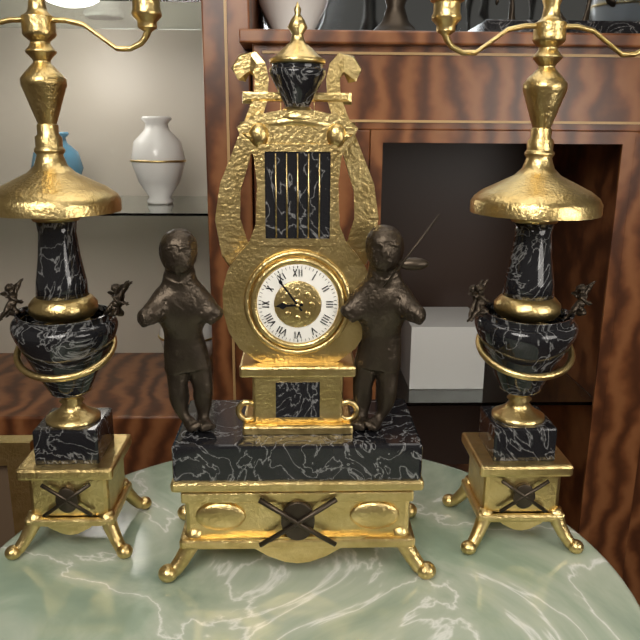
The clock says 8:54
